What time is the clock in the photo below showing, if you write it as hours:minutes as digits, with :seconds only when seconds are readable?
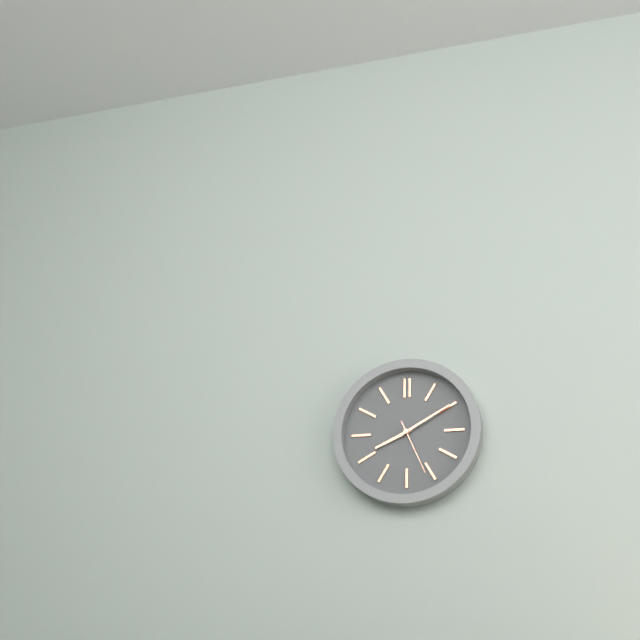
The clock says 8:10:26
